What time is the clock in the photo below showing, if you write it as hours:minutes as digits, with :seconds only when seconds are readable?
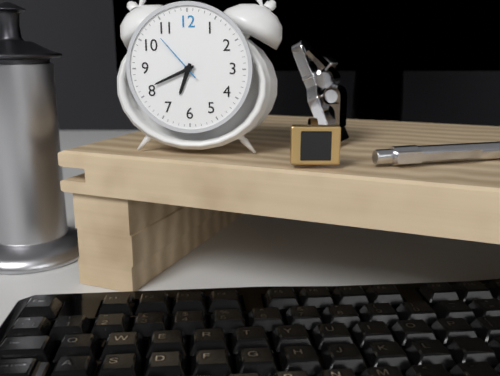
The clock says 6:41:53
